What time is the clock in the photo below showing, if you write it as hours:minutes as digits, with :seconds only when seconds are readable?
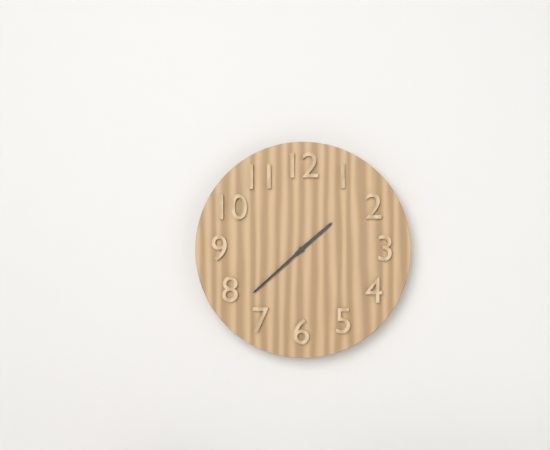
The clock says 1:38
